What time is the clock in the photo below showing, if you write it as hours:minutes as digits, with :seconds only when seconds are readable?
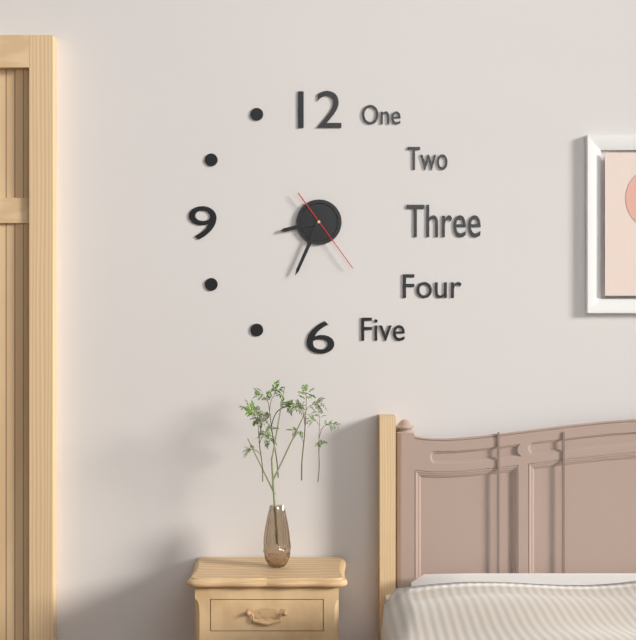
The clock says 8:34:24
